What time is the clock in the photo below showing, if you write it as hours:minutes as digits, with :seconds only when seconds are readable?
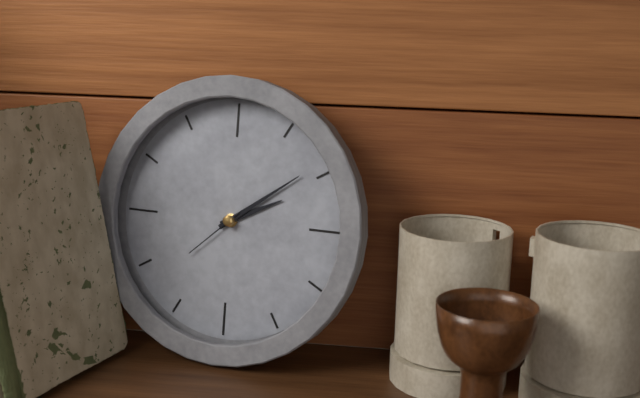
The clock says 2:09:38
